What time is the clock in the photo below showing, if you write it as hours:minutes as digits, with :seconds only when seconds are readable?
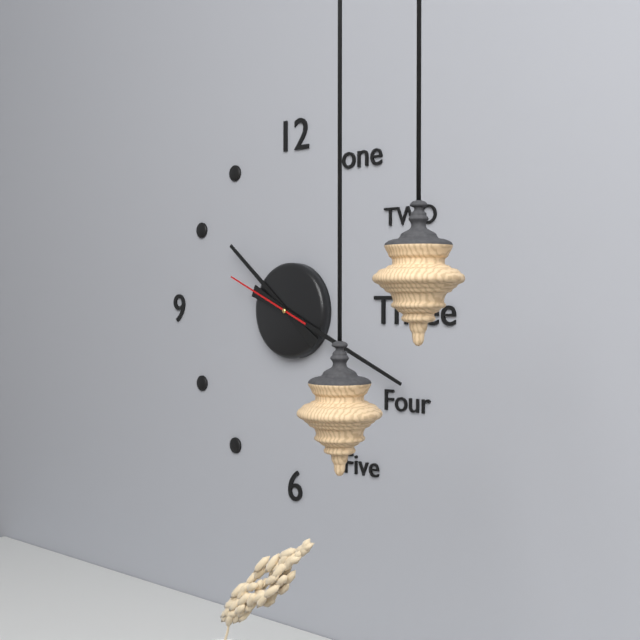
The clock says 10:19:49
